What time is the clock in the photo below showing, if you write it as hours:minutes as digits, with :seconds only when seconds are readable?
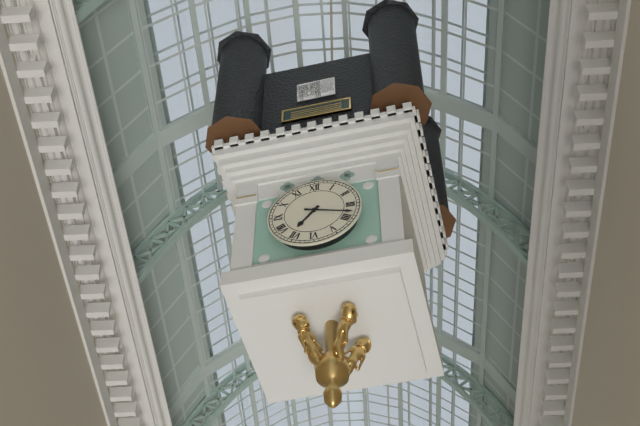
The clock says 7:18
